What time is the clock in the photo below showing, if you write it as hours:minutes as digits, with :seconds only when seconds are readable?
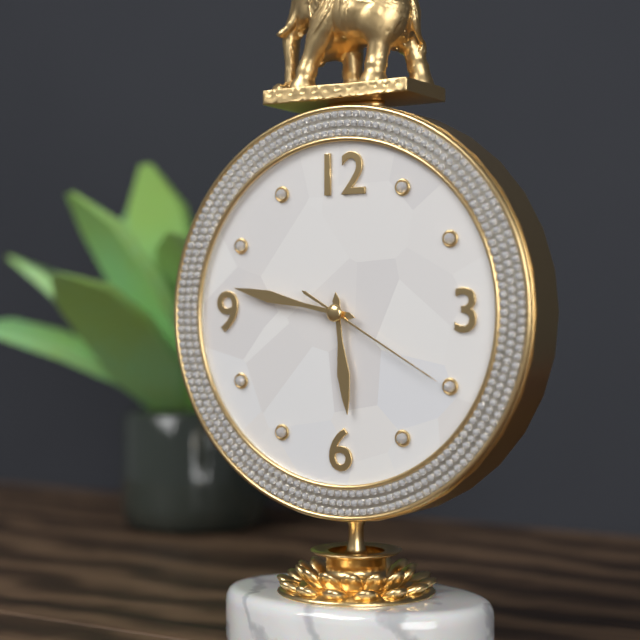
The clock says 5:47:20
